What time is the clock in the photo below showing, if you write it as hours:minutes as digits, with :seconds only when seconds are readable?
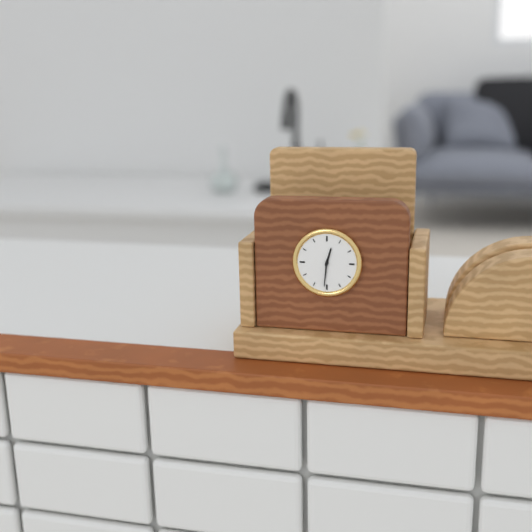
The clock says 12:31
